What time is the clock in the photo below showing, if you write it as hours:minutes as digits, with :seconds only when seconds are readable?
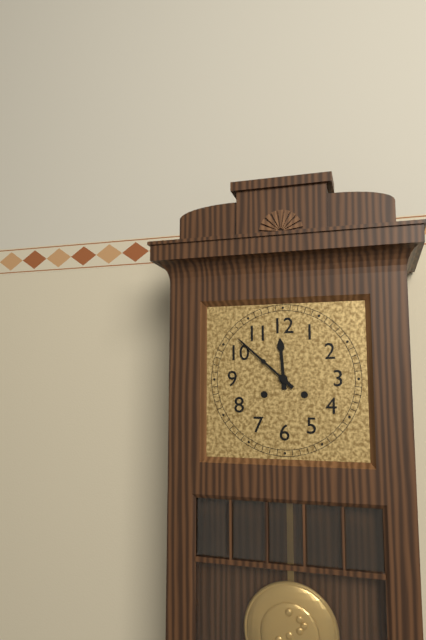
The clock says 11:52
